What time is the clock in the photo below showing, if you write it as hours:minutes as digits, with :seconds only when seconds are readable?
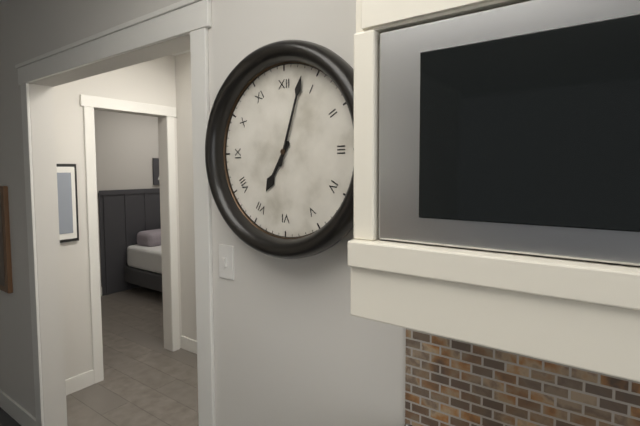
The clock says 7:03
